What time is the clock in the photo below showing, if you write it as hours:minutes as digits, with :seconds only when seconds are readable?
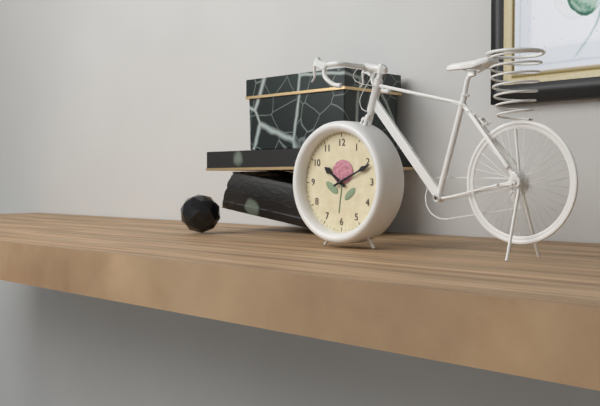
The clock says 10:11
